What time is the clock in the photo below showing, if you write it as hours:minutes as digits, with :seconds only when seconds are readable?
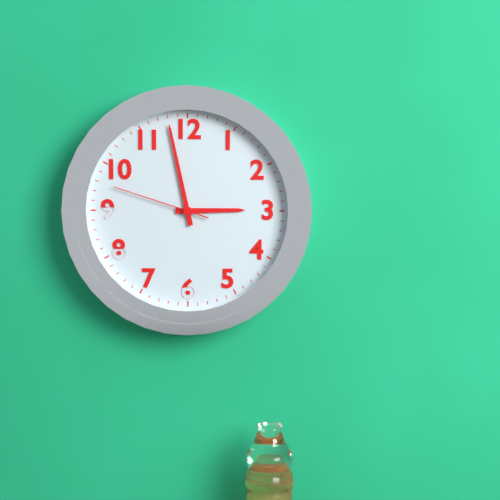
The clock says 2:58:48
